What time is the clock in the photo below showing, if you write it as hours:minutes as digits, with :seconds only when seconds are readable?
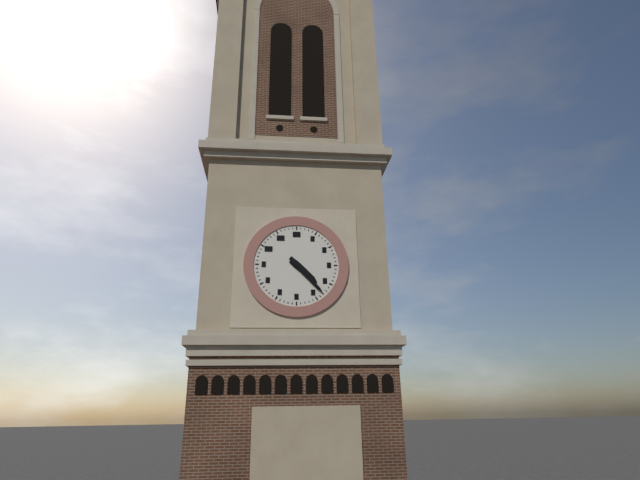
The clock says 4:23
